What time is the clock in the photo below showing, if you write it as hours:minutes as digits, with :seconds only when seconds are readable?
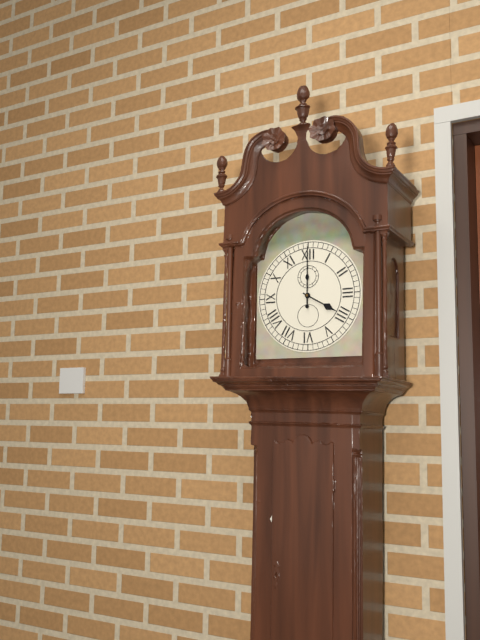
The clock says 4:00
